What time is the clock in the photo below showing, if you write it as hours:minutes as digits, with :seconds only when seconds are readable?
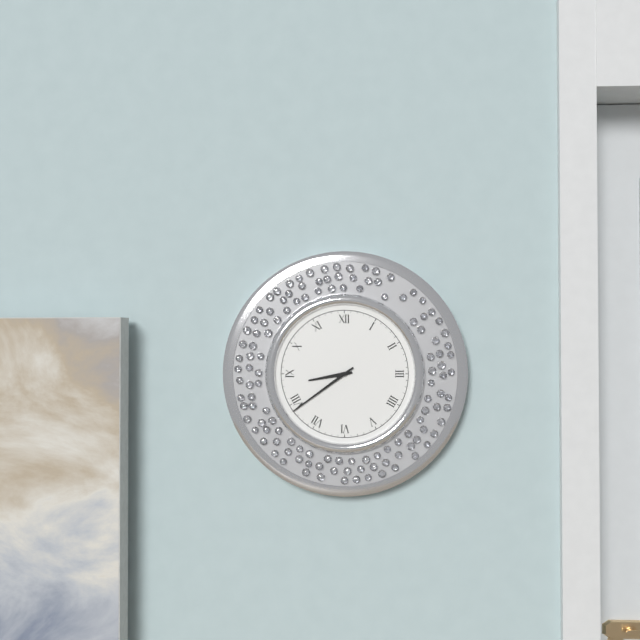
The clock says 8:39
